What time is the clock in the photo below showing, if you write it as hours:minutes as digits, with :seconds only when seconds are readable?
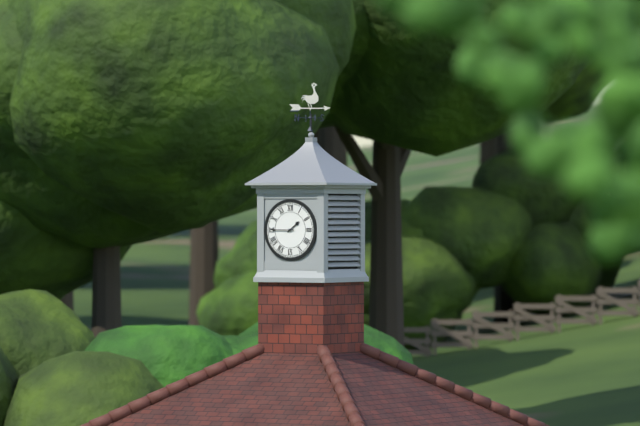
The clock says 1:45
